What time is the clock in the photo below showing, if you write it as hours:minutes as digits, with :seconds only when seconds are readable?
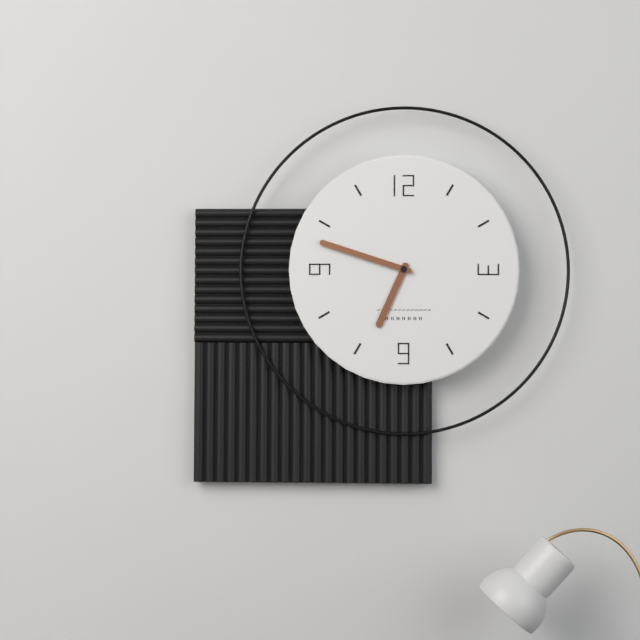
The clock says 6:48
